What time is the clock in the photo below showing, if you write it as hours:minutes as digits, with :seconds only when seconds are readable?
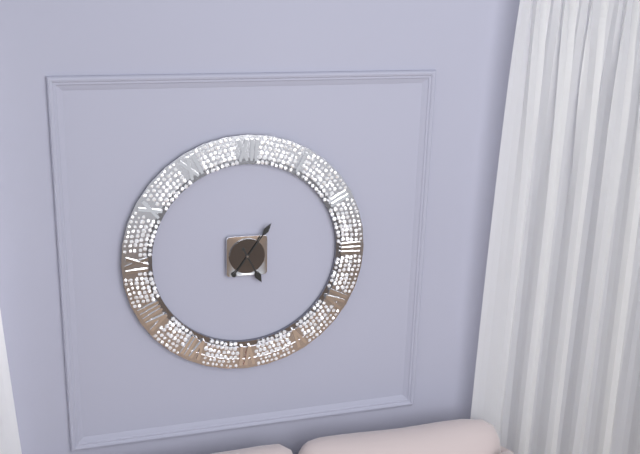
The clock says 5:06
